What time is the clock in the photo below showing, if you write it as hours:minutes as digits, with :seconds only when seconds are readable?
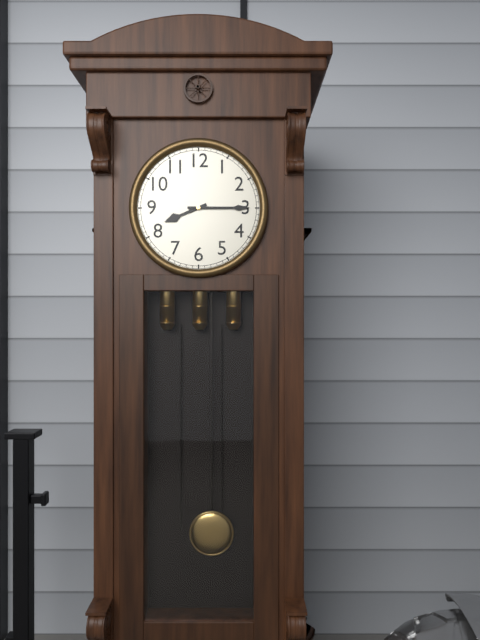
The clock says 8:15
